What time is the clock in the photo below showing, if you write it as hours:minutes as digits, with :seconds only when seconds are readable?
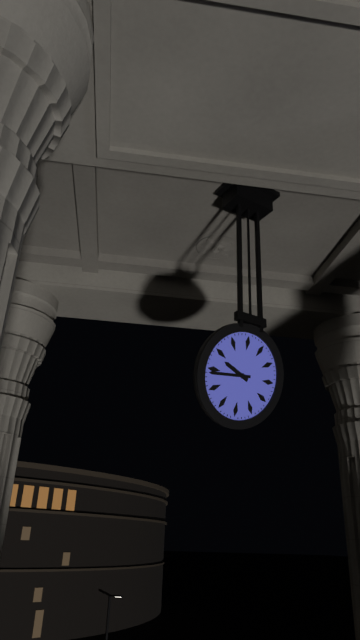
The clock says 9:44
